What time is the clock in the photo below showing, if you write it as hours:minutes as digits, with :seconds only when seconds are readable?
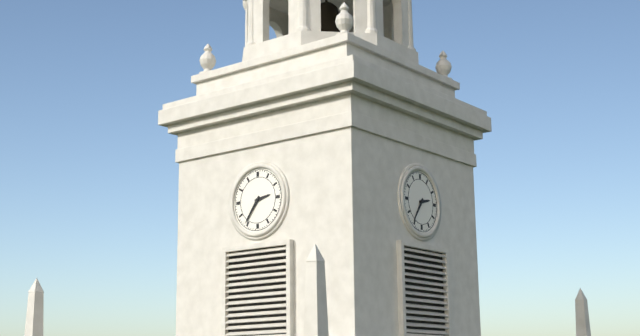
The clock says 2:36
